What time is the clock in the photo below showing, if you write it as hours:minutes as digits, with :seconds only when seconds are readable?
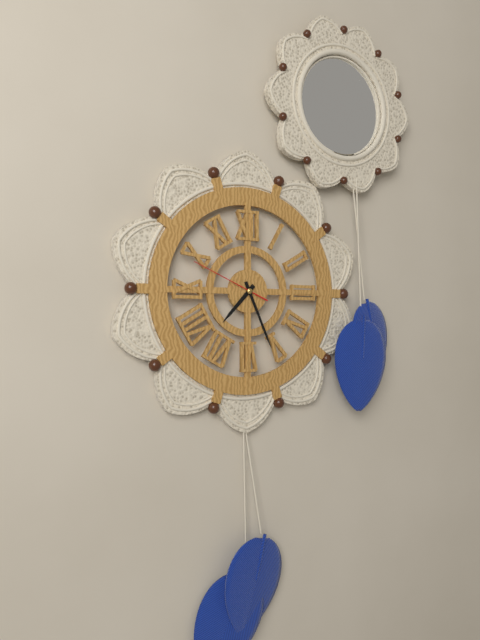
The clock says 7:26:49
